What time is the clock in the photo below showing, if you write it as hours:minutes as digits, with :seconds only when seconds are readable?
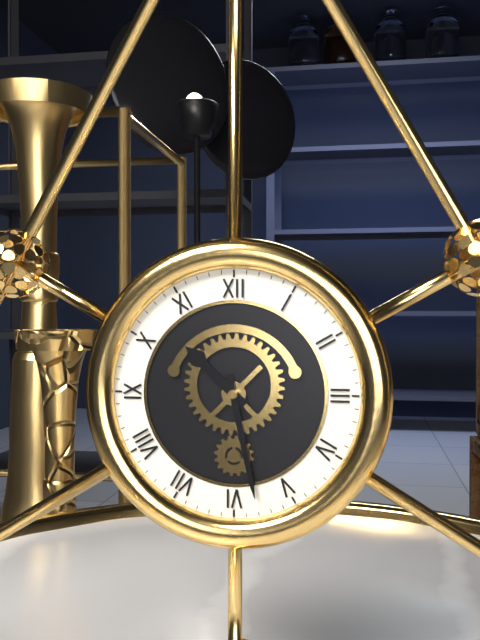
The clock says 10:28
